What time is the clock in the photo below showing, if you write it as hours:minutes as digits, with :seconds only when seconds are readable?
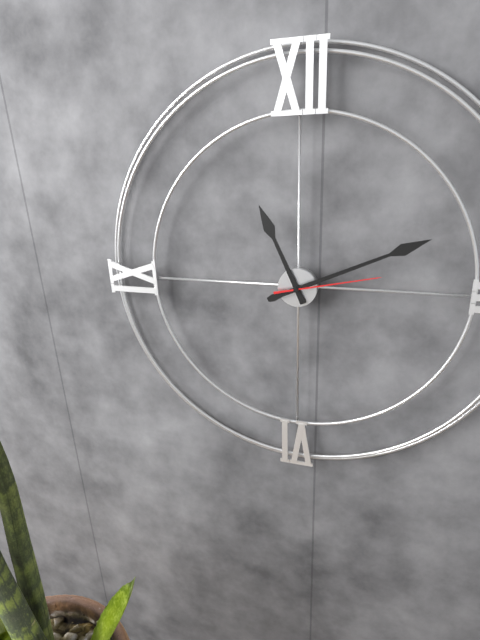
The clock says 11:11:13
